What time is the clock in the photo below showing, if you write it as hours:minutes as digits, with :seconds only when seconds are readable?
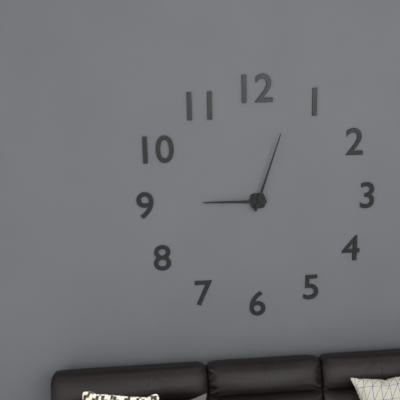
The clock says 9:03
